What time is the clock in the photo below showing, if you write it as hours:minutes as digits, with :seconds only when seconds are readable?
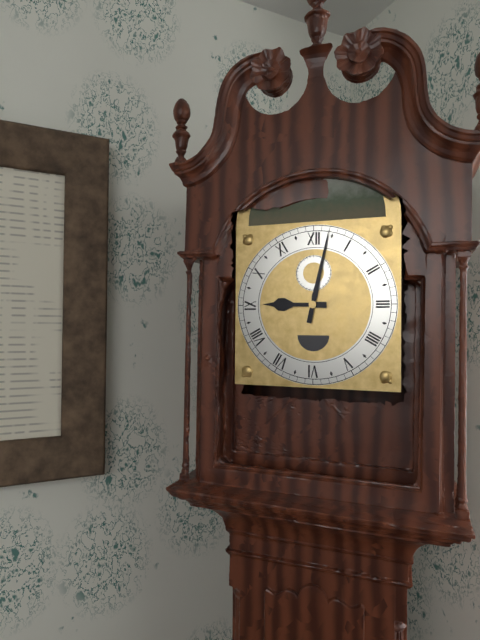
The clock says 9:02
